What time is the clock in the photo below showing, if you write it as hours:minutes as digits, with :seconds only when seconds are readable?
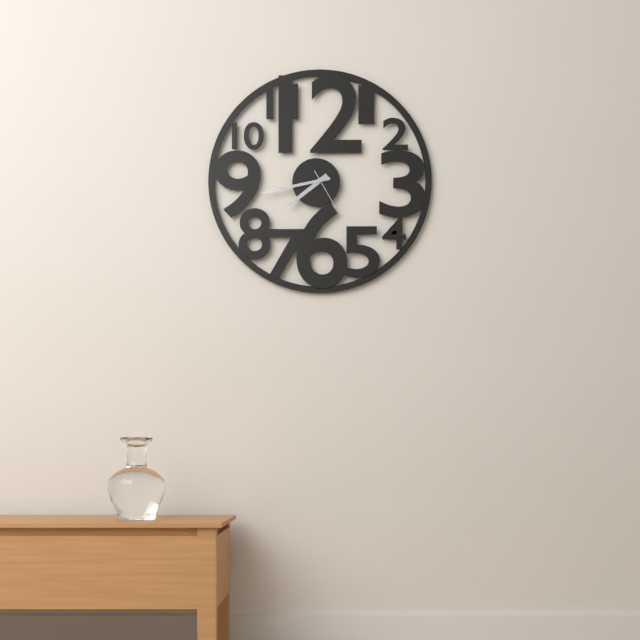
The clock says 7:43
